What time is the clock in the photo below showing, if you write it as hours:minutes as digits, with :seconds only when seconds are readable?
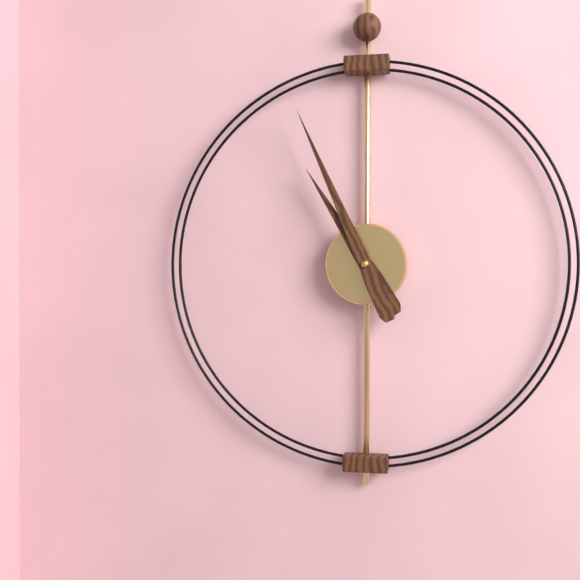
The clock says 10:56
